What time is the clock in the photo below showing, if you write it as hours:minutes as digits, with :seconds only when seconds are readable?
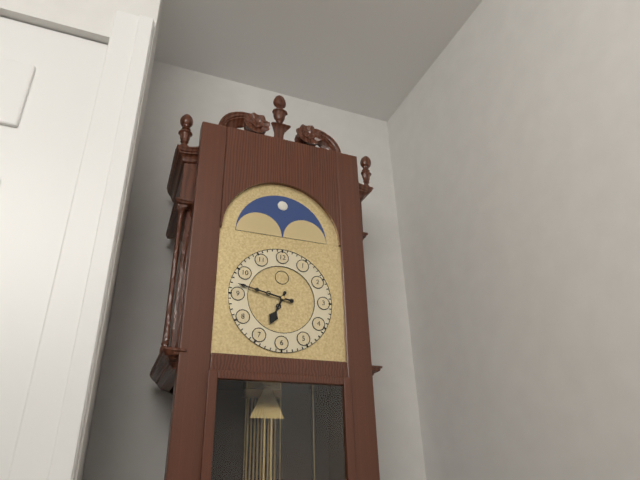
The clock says 6:47
